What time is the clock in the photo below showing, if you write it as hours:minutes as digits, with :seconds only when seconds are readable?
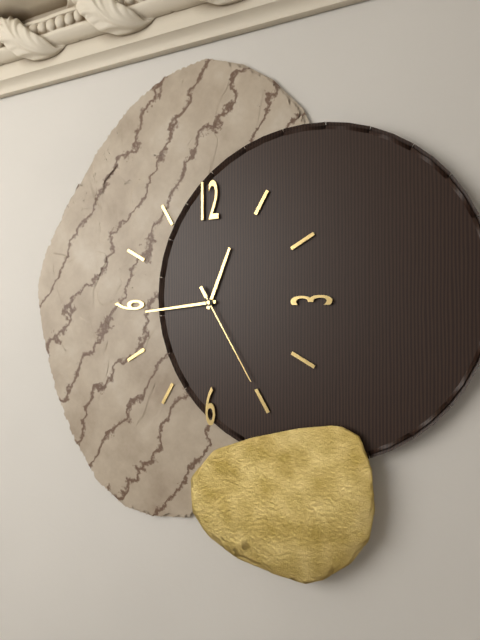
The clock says 12:44:25
